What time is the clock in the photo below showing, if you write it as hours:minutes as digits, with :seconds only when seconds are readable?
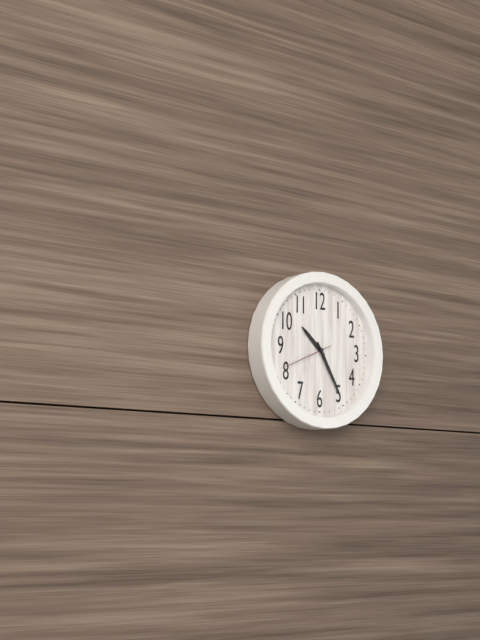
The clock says 10:25:41
